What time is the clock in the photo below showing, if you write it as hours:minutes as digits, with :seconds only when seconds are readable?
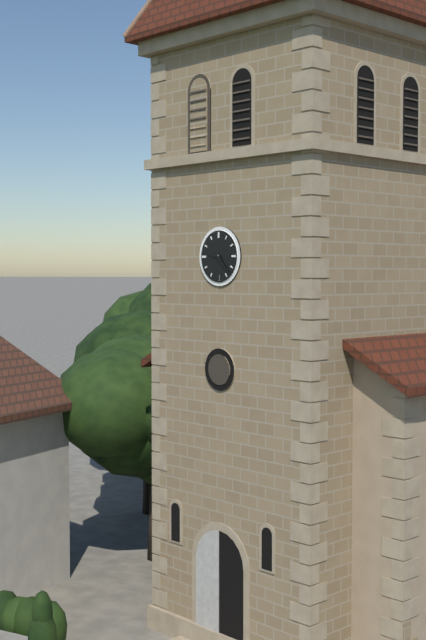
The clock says 9:23
